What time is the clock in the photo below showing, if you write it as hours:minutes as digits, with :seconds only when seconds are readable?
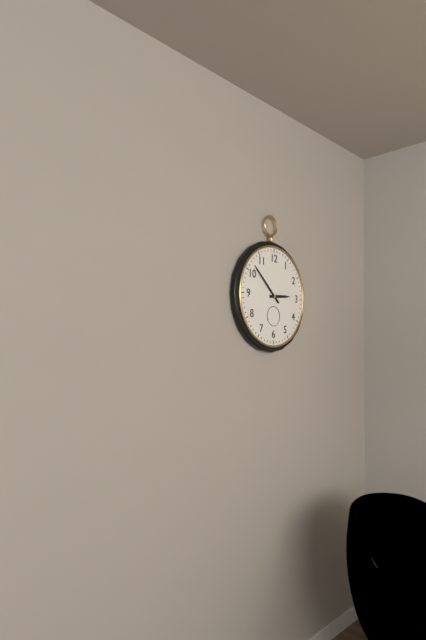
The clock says 2:52
